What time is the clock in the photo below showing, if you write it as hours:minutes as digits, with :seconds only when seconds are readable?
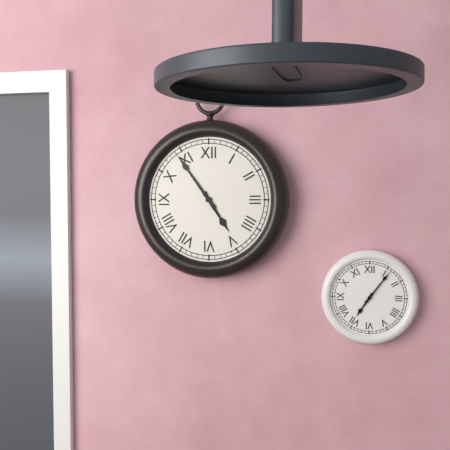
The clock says 4:54
